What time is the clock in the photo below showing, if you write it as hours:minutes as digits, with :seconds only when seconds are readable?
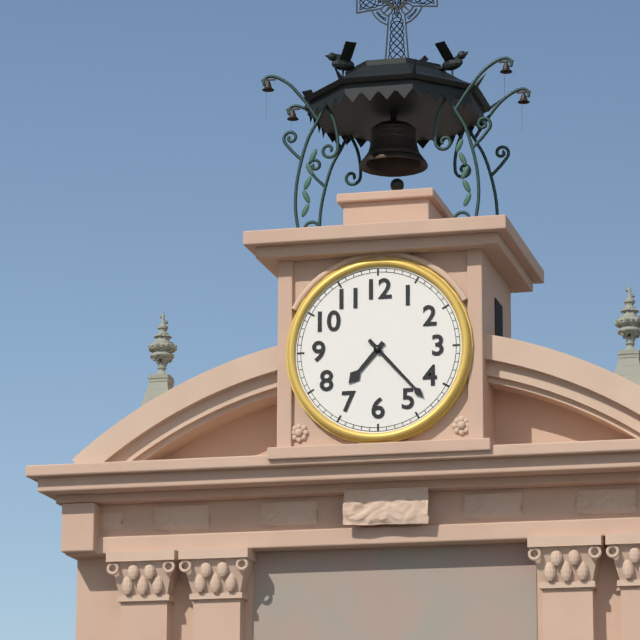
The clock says 7:23
